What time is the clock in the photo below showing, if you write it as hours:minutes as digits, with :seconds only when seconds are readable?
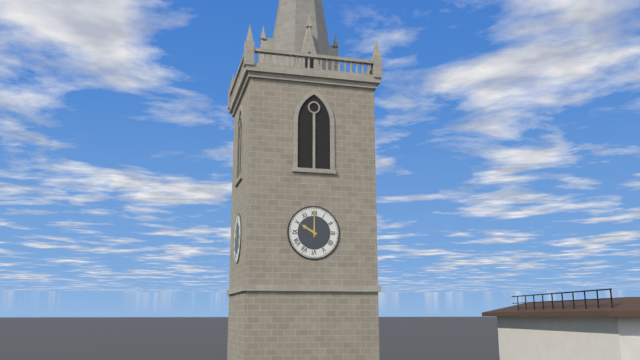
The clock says 10:00
